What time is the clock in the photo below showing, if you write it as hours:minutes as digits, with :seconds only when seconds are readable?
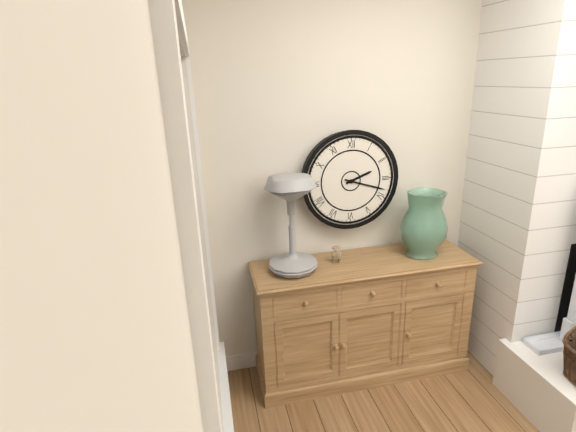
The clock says 2:18
